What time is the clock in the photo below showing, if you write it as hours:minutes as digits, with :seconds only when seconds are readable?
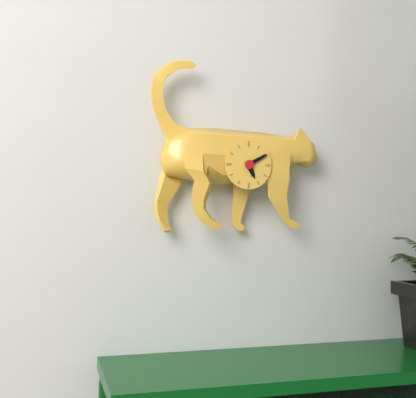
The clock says 5:10
